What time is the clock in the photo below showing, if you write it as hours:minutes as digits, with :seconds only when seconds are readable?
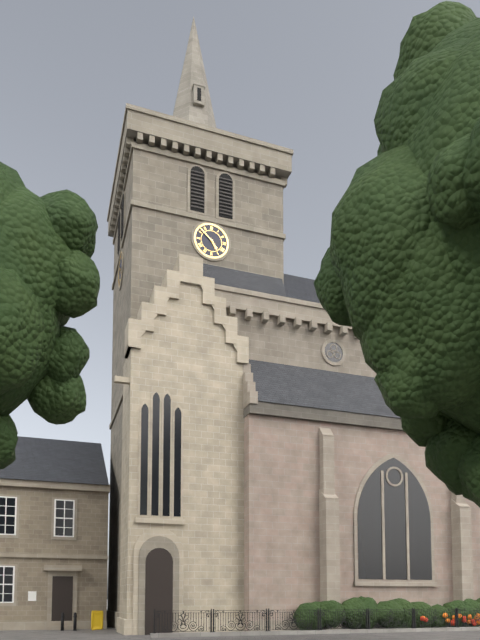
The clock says 4:52
